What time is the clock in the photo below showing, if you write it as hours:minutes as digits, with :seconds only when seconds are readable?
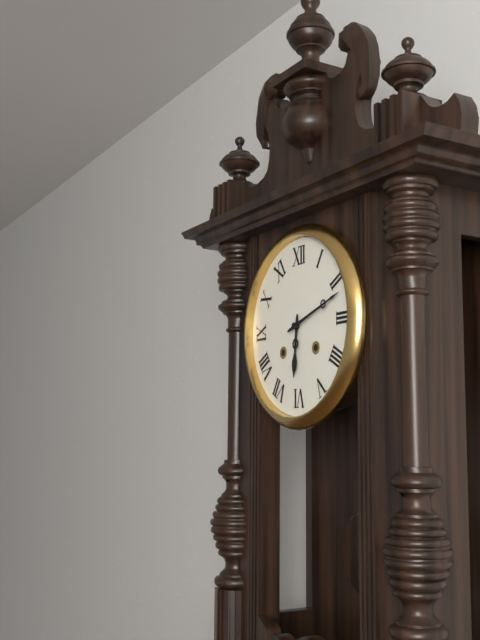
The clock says 6:12
